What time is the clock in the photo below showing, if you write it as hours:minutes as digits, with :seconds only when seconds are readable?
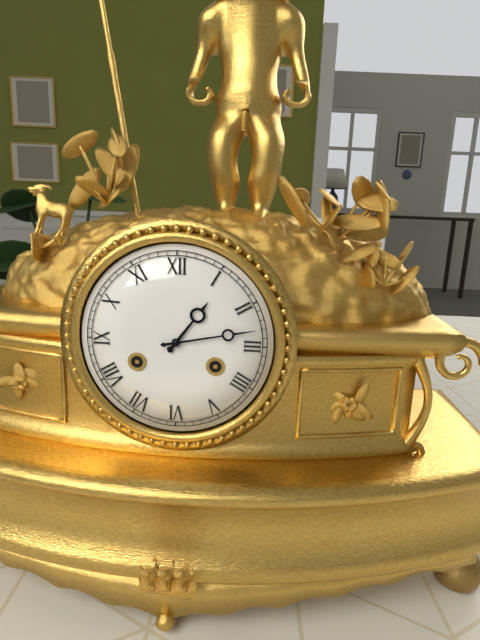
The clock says 1:13
